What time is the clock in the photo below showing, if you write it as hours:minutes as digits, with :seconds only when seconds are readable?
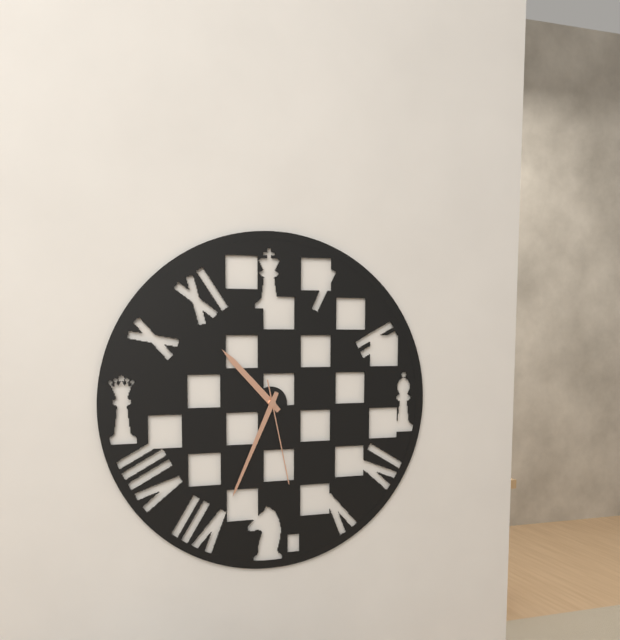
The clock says 10:34:28
